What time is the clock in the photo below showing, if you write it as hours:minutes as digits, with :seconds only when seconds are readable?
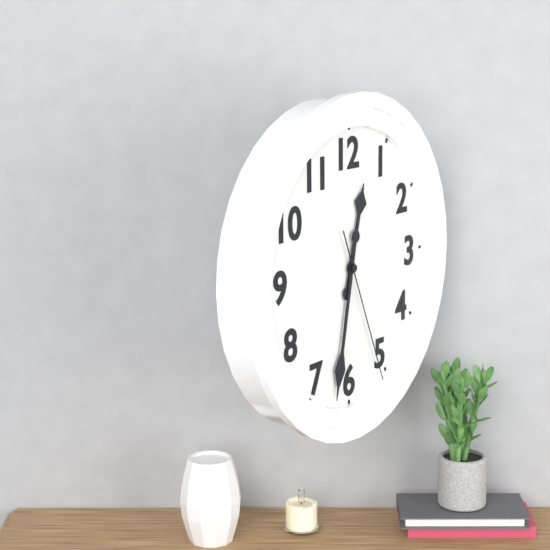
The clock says 12:32:26
